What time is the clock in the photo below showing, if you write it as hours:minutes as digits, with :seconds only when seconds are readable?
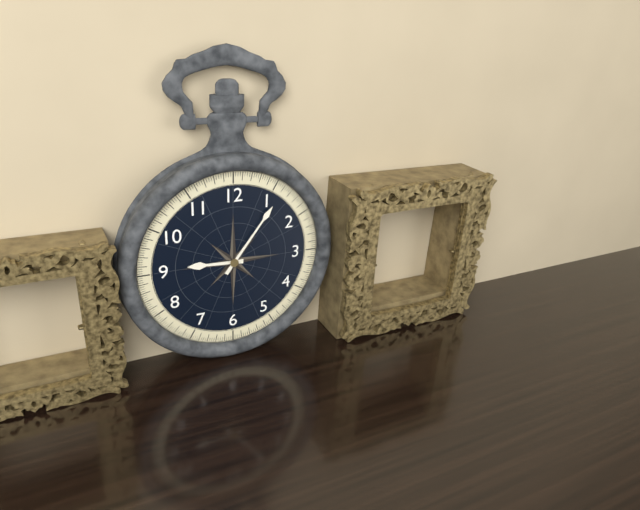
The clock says 9:06
